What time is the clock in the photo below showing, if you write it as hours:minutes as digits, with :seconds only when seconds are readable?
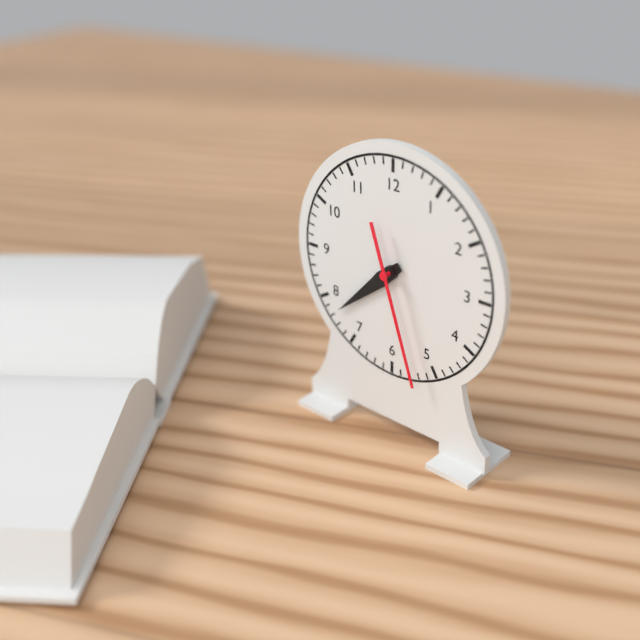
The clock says 7:38:27
